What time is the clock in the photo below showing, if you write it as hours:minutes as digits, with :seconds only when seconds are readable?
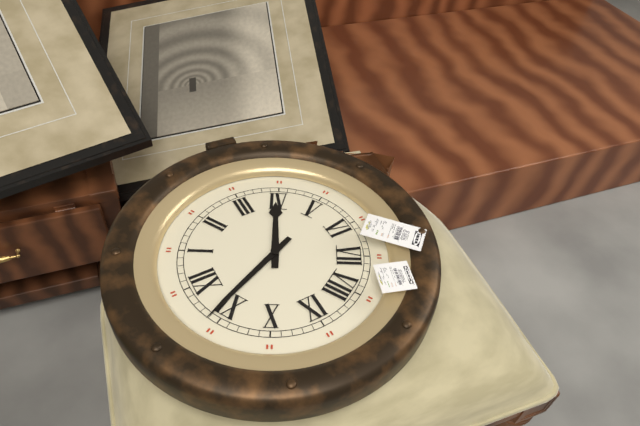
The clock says 3:56
